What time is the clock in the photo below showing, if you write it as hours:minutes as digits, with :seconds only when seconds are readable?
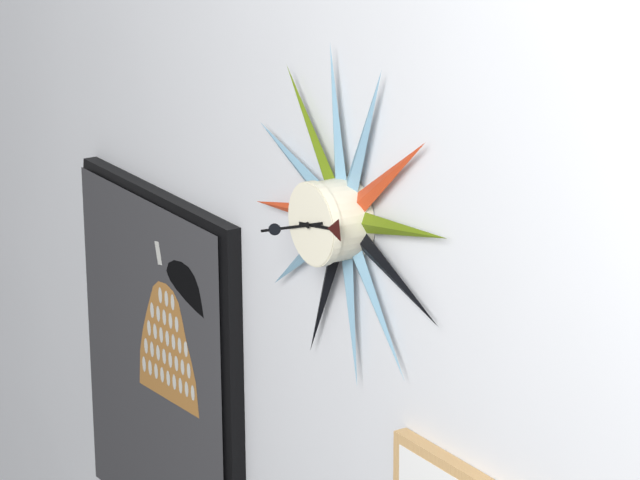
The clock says 2:42
